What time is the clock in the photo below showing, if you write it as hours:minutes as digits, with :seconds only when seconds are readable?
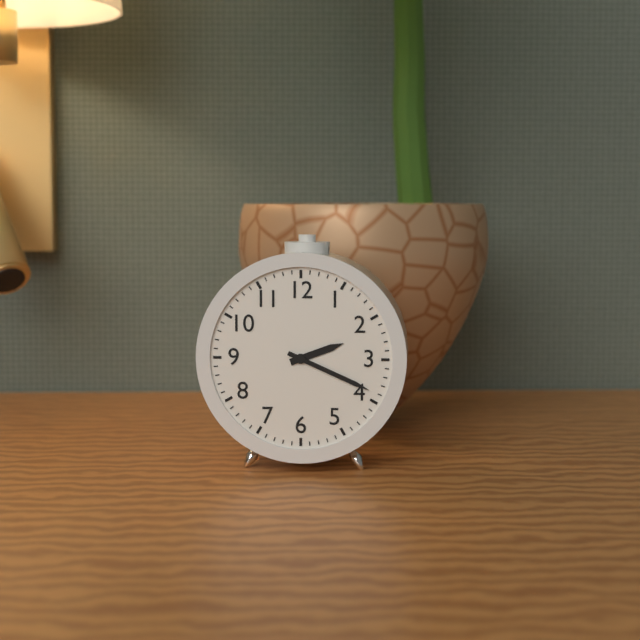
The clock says 2:19
